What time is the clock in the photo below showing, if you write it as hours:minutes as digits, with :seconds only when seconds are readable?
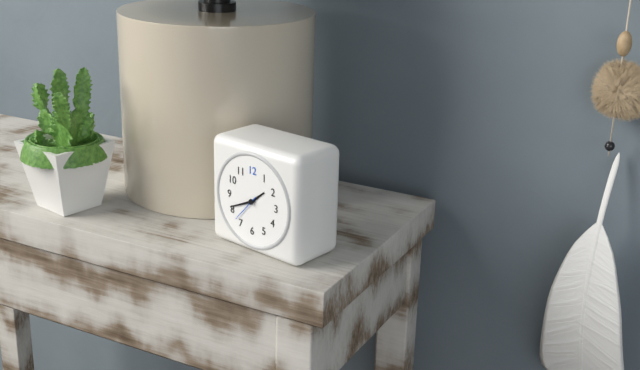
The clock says 1:41
